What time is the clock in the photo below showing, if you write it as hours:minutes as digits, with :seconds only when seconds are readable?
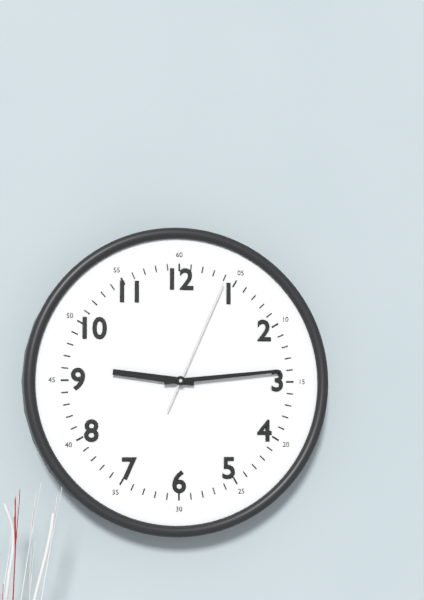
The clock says 9:14:04
